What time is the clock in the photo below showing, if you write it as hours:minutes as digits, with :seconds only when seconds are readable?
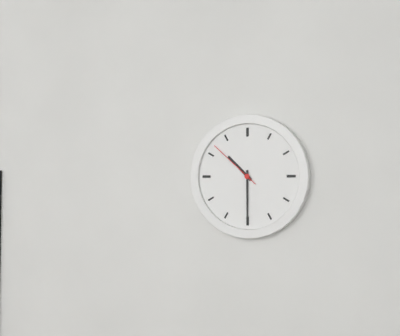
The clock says 10:30:52
